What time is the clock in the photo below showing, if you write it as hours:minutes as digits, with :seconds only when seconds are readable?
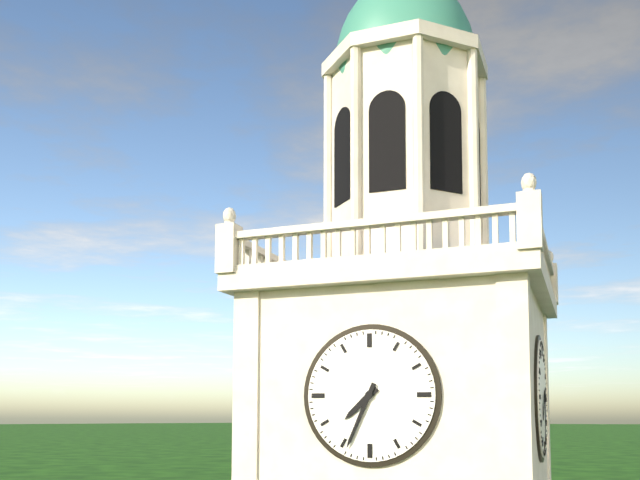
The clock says 7:34
